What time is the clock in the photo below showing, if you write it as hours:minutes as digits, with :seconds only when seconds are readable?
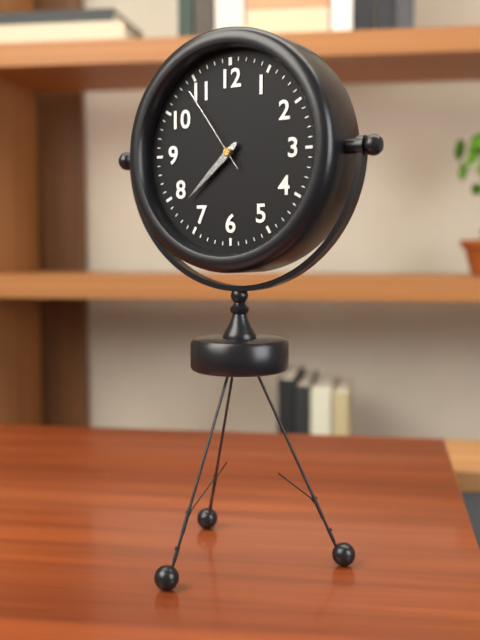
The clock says 7:38:54
